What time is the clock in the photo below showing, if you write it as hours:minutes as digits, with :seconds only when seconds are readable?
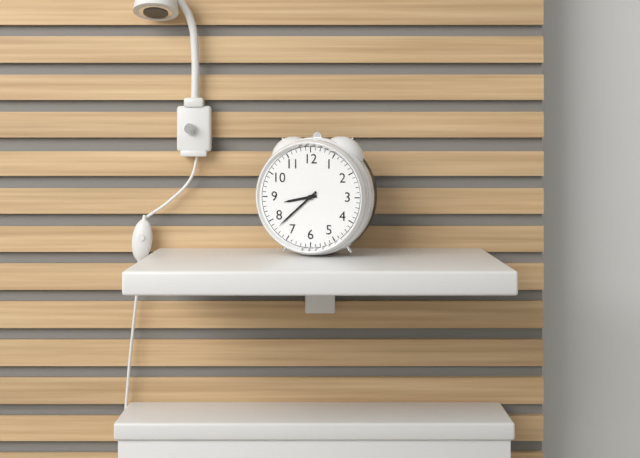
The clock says 8:38
